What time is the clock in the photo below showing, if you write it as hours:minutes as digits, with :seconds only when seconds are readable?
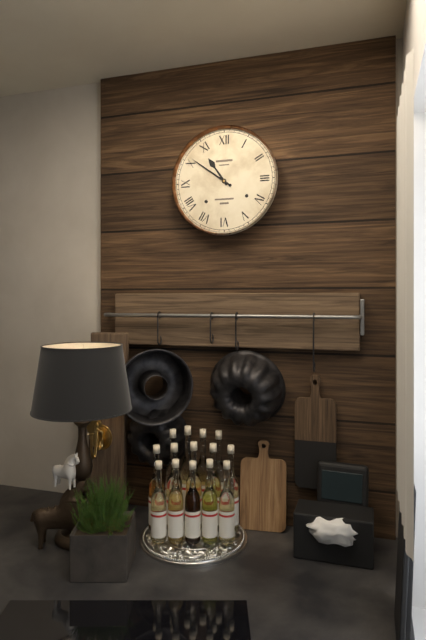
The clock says 10:51
